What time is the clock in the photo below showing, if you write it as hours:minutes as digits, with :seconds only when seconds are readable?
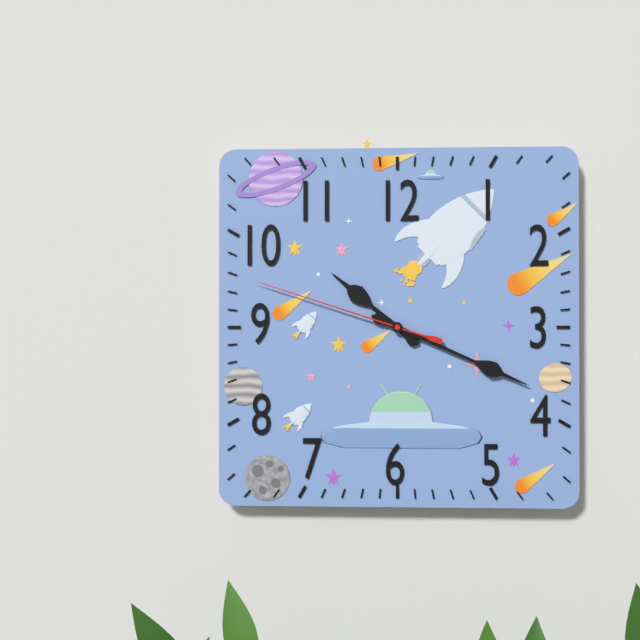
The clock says 10:19:48
